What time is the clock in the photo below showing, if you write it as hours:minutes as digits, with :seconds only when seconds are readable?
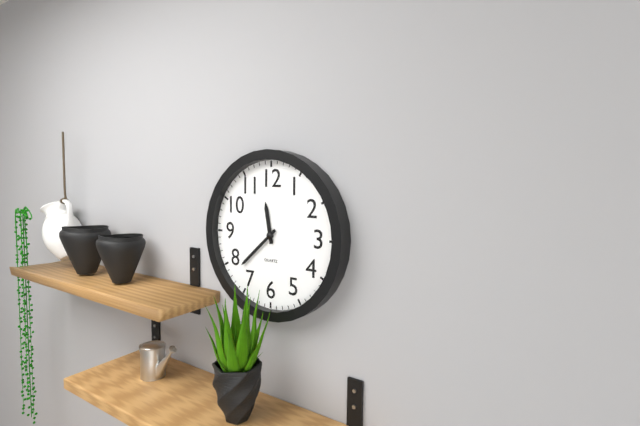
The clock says 11:38
